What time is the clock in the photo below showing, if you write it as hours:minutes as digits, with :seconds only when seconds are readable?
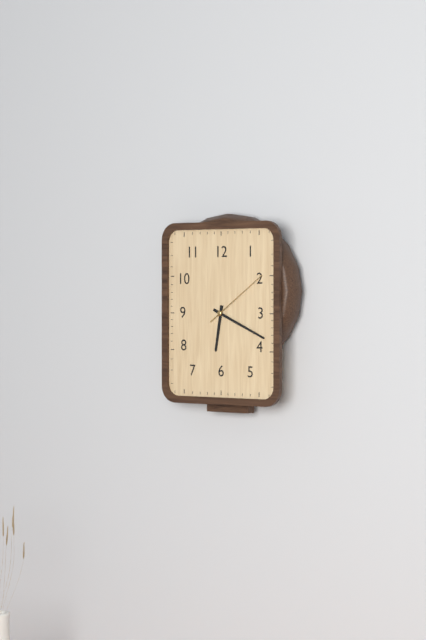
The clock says 6:19:09
